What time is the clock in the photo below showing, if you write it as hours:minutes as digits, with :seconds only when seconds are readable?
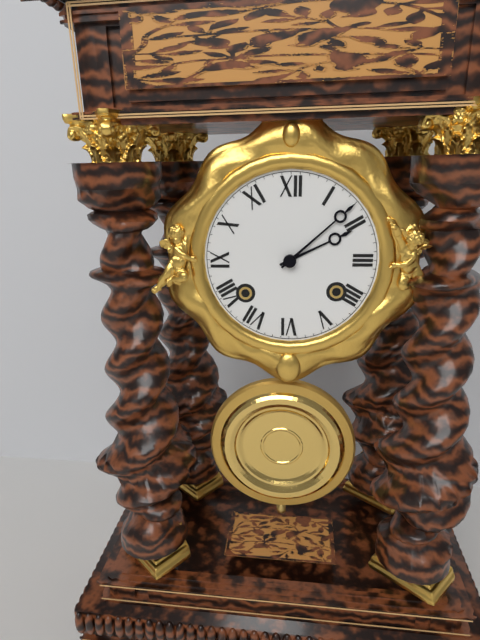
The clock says 2:08
